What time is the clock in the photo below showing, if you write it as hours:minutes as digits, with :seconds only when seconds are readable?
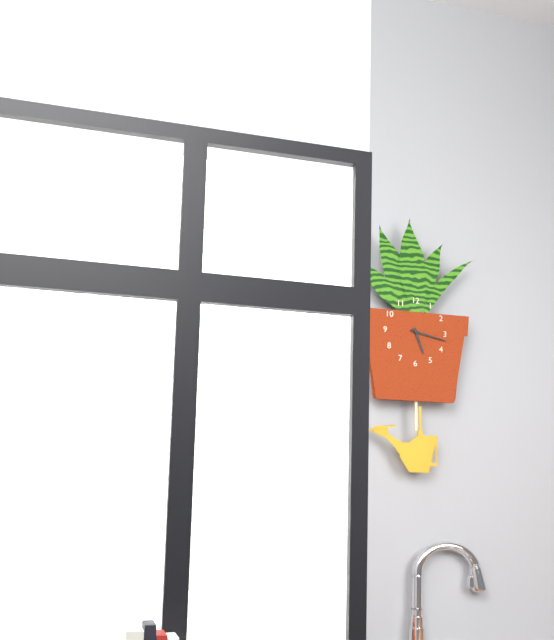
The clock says 5:17
